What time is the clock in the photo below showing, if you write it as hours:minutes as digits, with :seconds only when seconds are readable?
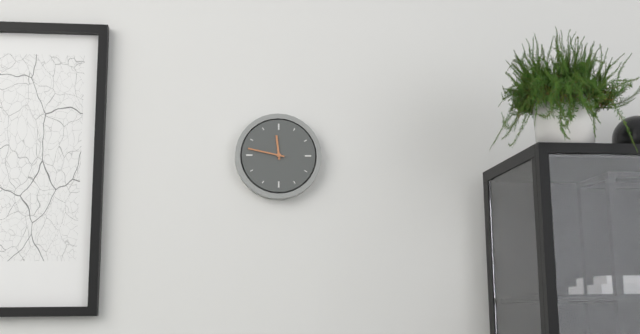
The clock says 11:47
